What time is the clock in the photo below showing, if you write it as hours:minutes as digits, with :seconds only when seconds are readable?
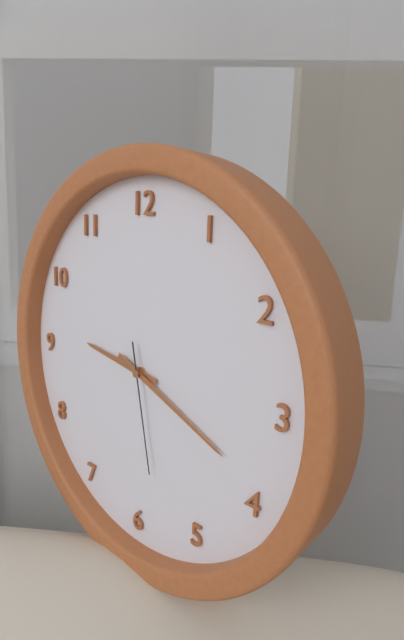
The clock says 9:19:28
